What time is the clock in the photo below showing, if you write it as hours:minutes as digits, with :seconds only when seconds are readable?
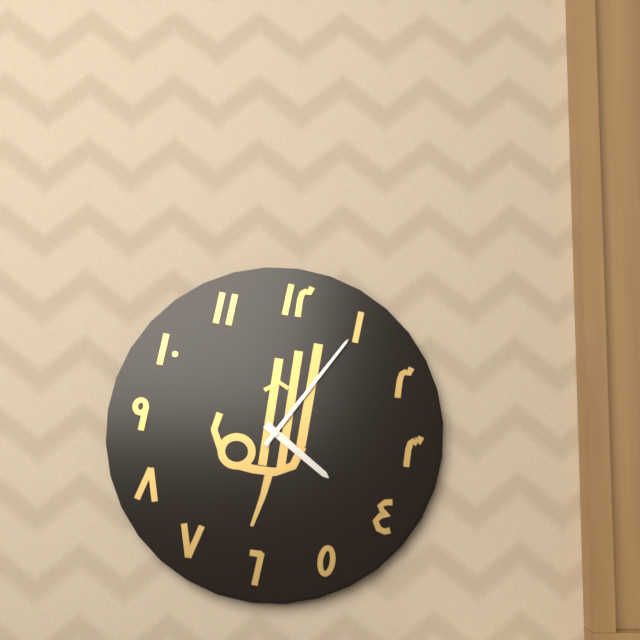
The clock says 4:05
